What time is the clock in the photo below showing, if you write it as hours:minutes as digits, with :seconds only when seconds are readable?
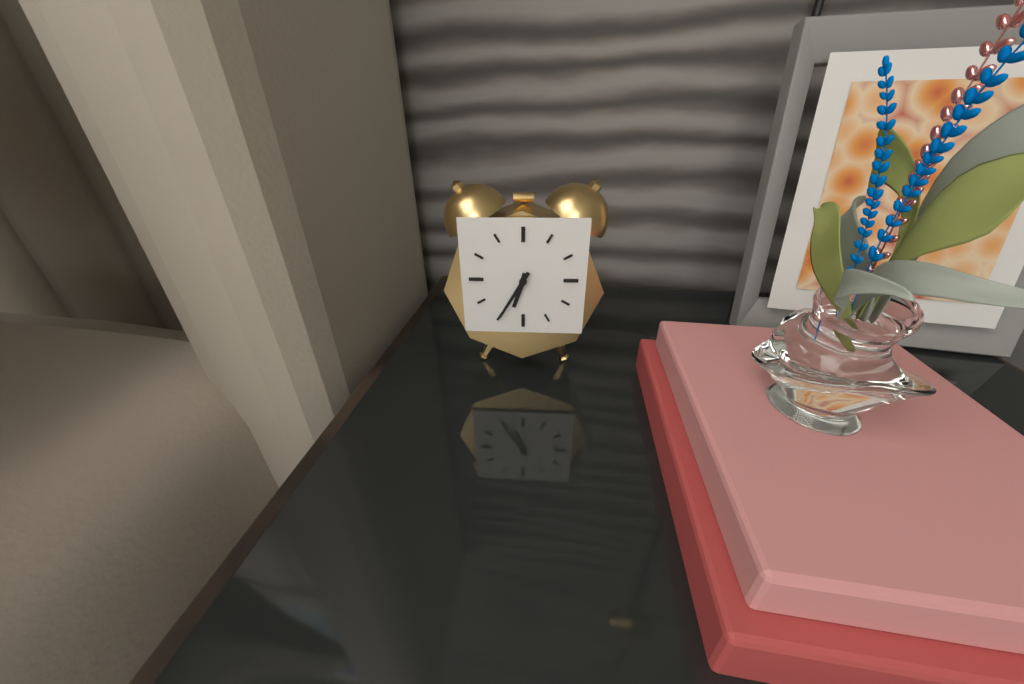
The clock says 6:35
